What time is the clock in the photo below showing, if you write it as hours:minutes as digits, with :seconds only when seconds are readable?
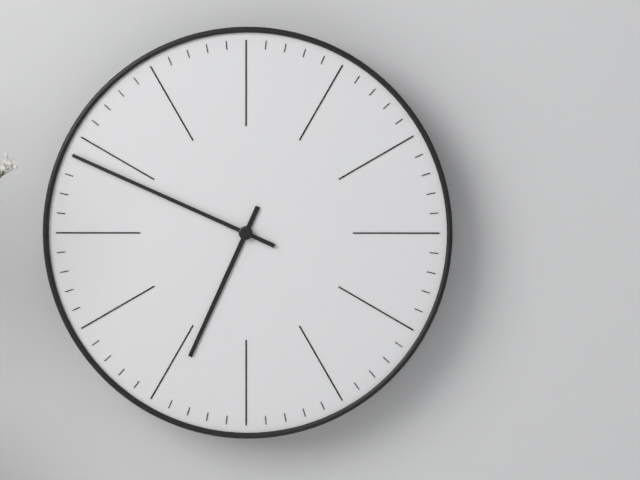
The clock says 6:49
